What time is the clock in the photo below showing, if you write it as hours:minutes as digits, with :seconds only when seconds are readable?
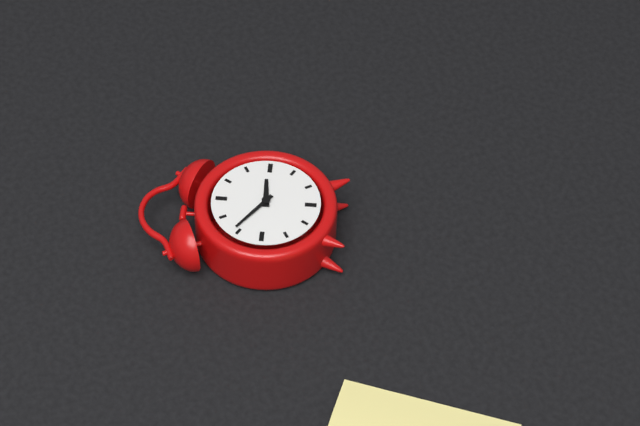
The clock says 2:51
